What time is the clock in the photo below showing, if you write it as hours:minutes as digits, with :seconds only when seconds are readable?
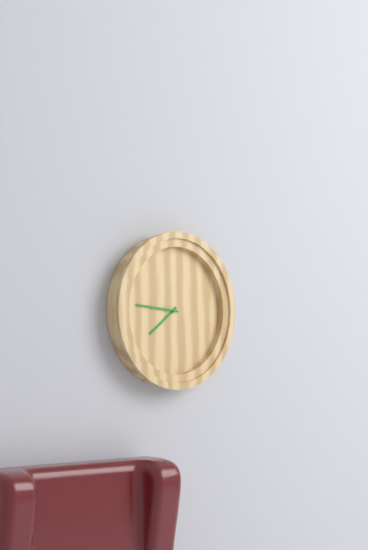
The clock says 7:46
